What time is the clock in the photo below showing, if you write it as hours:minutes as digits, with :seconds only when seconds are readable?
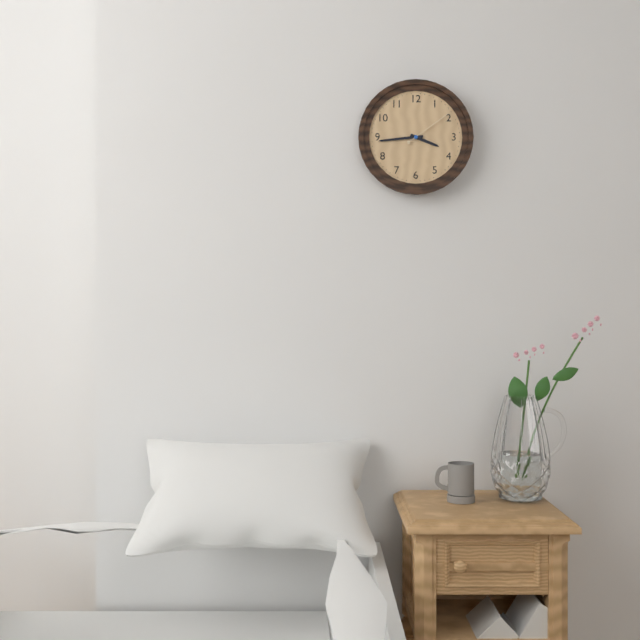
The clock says 3:44
